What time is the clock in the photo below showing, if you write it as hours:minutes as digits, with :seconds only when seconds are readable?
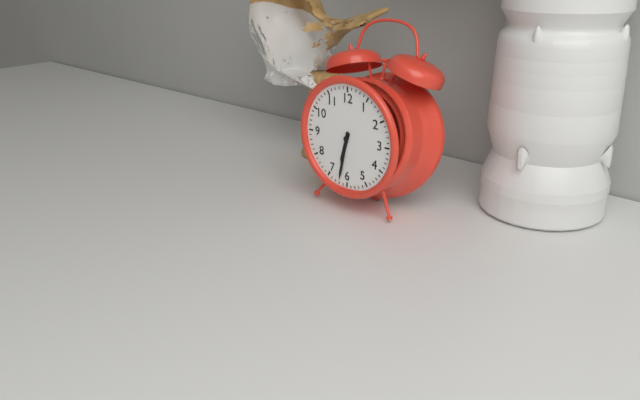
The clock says 6:32
